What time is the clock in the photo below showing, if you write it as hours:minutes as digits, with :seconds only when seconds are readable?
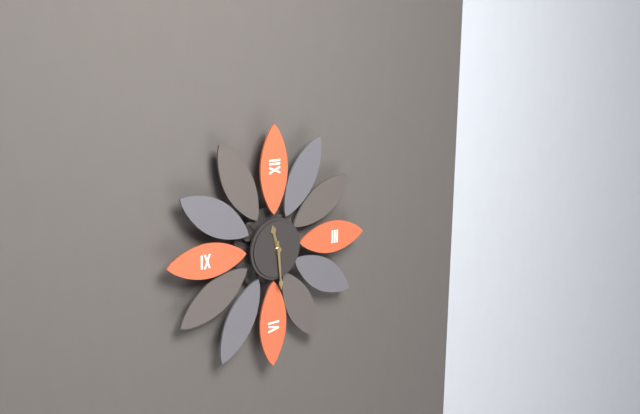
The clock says 11:29
